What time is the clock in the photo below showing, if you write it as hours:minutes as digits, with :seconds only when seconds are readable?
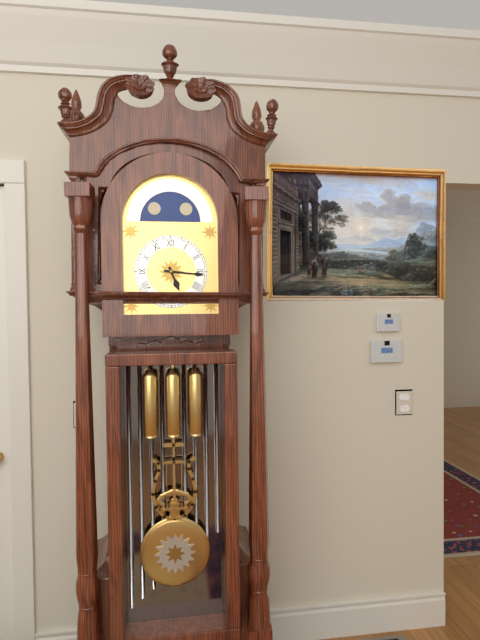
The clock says 5:16
